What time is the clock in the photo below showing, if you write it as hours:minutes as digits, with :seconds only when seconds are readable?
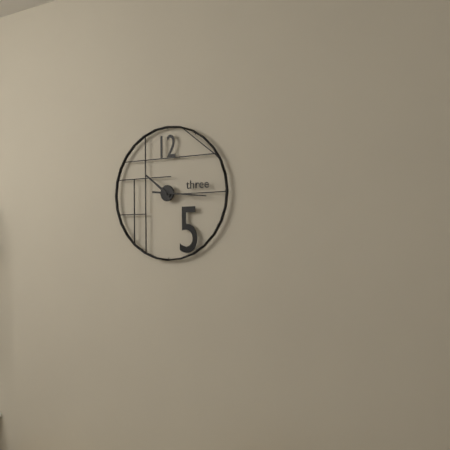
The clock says 10:16
